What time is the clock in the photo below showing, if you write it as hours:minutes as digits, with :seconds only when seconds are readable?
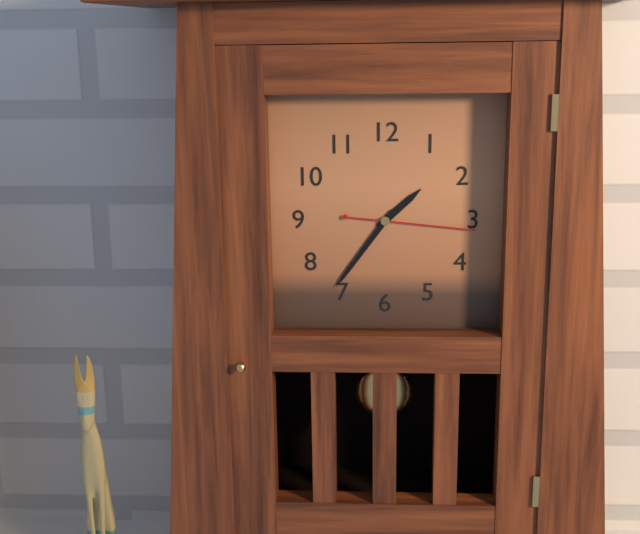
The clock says 1:36:16
